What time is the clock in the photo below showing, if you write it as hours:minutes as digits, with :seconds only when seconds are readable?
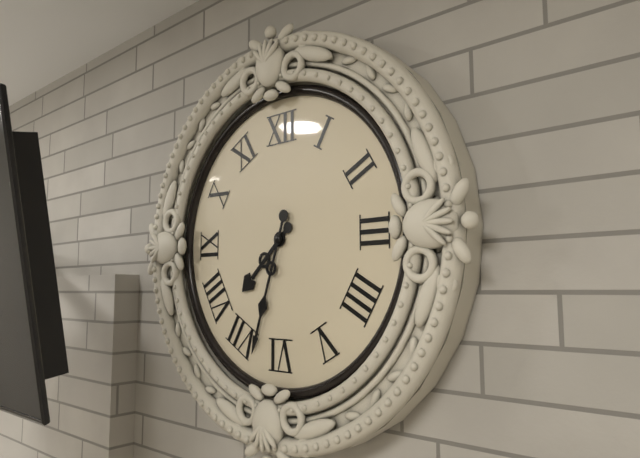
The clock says 7:33
